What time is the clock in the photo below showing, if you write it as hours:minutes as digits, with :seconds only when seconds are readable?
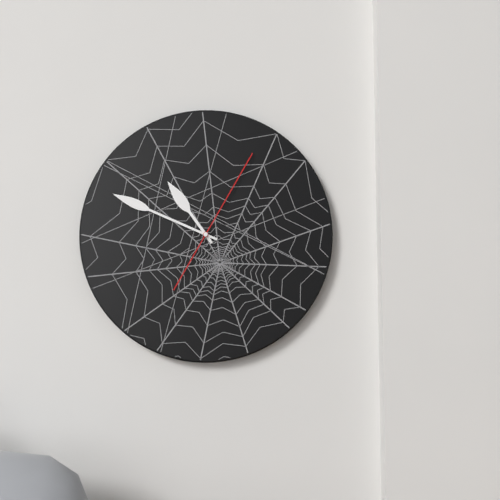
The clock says 10:49:05
